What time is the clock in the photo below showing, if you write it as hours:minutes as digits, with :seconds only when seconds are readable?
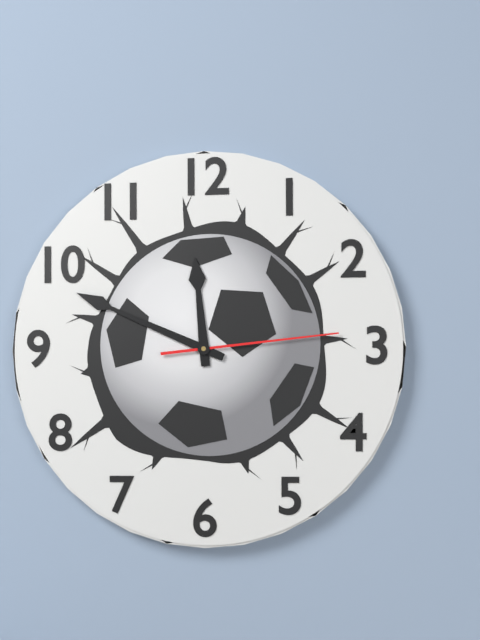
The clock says 11:49:14
